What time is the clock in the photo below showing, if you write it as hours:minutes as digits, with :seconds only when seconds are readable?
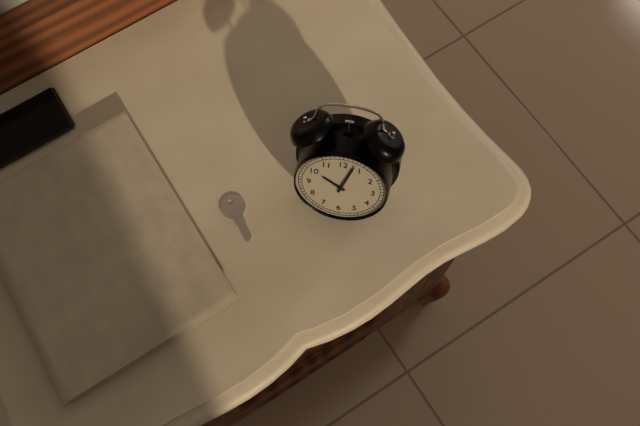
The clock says 10:03
